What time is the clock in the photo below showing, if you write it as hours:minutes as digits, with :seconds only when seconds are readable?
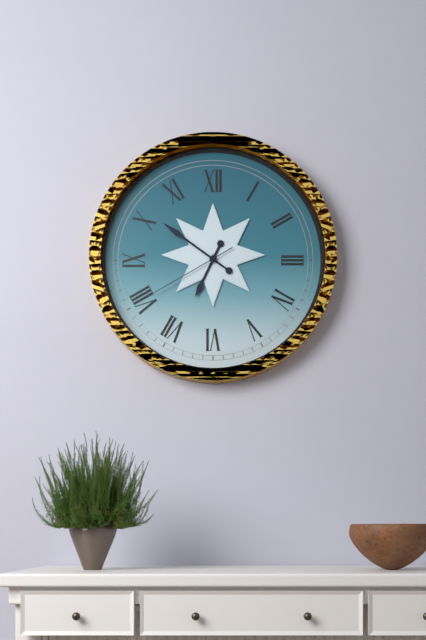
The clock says 6:51:40
